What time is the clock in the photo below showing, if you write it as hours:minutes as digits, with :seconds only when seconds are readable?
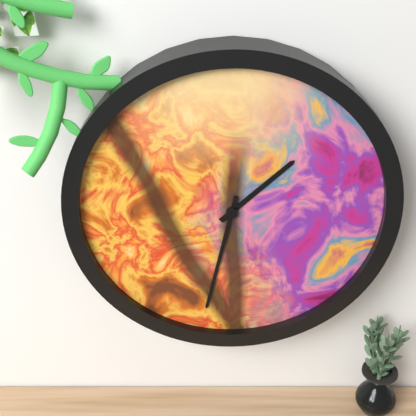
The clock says 1:32
